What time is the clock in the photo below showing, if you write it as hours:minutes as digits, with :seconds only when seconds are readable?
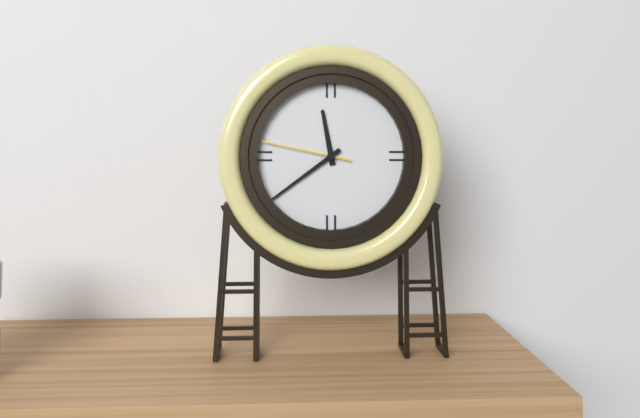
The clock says 11:39:47
